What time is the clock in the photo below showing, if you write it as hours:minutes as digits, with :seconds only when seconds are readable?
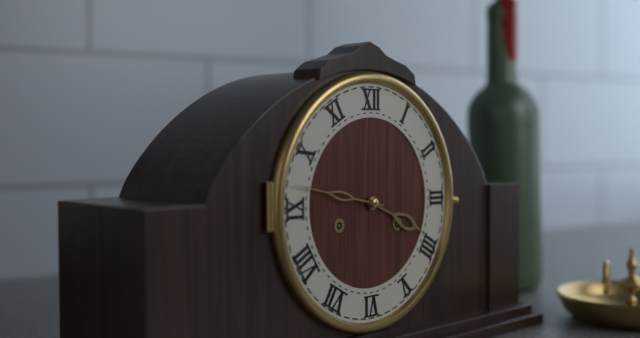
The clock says 3:47
